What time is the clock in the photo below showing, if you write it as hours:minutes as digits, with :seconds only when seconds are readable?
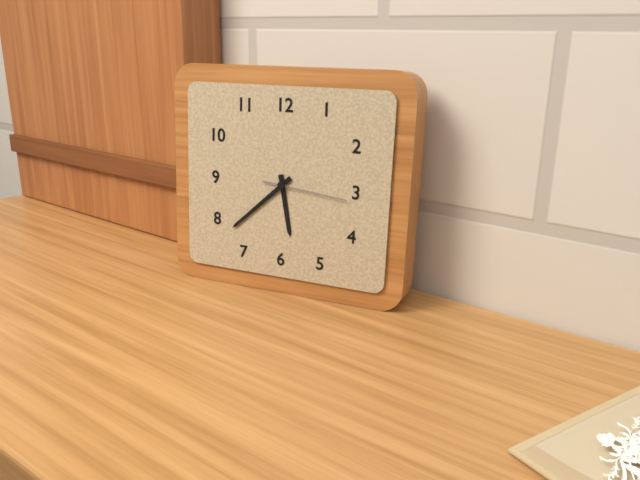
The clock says 5:38:16
